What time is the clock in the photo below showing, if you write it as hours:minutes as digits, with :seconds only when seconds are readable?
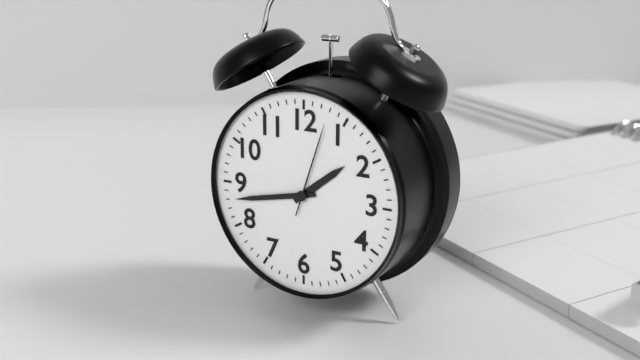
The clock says 1:43:03
